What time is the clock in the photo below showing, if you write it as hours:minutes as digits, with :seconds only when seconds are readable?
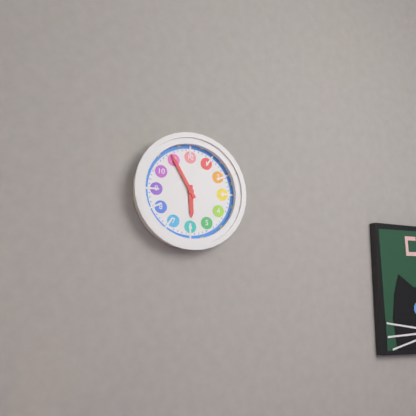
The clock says 5:55
